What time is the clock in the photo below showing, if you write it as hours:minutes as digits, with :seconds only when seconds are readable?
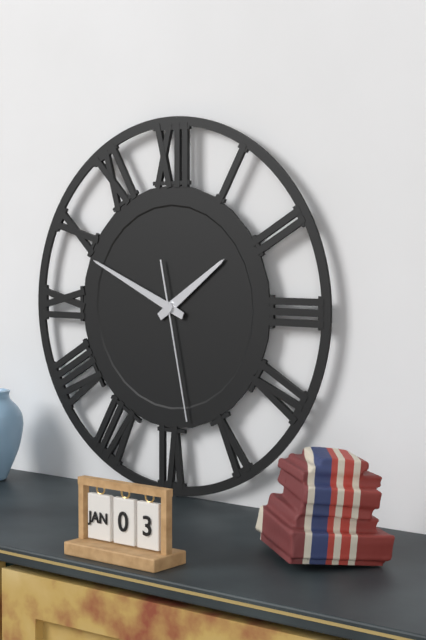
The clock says 1:49:28
